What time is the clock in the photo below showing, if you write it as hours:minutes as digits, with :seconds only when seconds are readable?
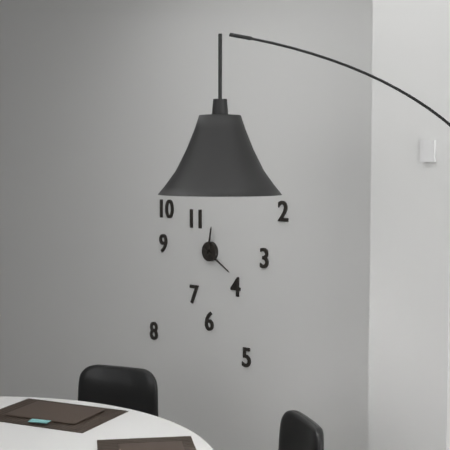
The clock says 12:20
